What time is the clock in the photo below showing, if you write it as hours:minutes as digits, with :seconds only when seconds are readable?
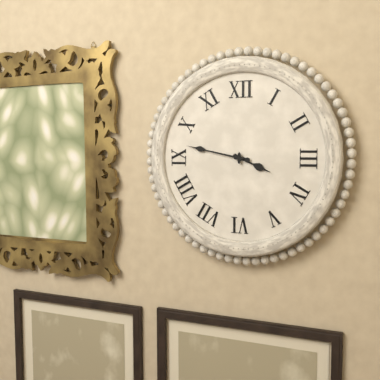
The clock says 3:47
